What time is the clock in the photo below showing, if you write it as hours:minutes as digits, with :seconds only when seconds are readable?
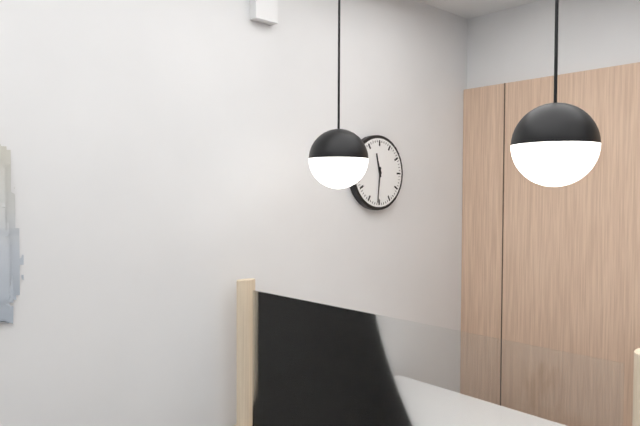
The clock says 11:31
